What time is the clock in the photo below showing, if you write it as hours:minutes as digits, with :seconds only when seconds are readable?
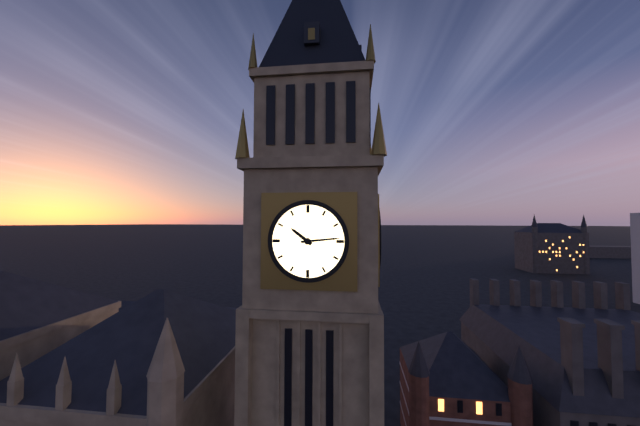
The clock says 10:14
